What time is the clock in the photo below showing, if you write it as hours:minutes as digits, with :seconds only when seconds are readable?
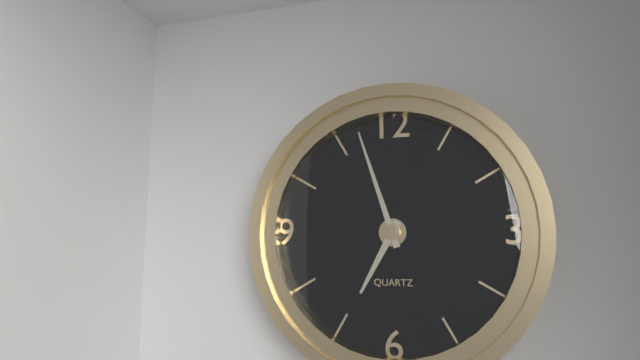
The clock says 6:57
